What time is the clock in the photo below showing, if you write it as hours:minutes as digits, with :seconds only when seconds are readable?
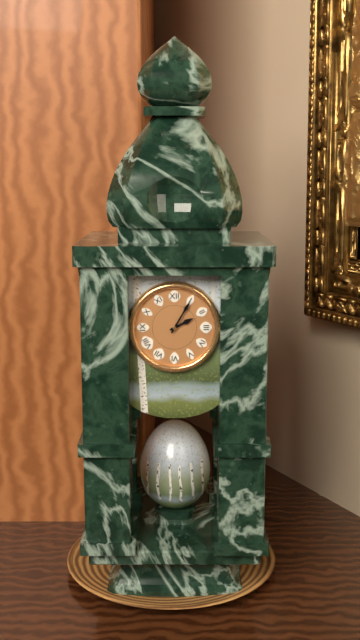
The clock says 2:05
